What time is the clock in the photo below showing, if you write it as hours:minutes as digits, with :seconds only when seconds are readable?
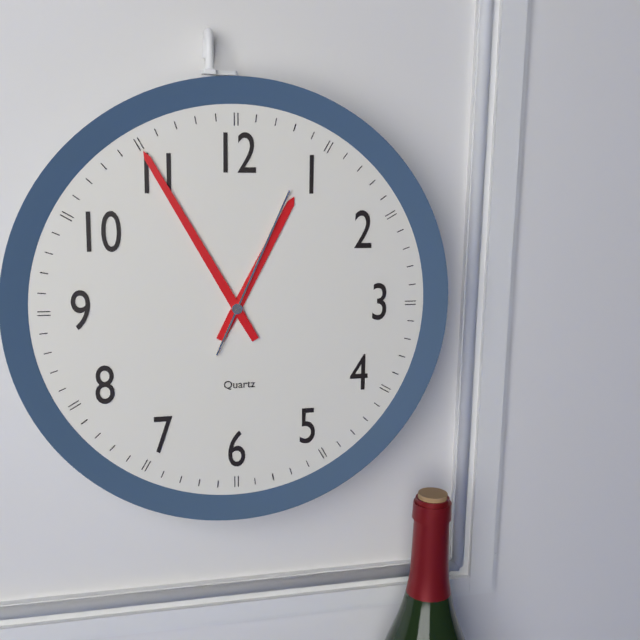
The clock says 12:55:04
